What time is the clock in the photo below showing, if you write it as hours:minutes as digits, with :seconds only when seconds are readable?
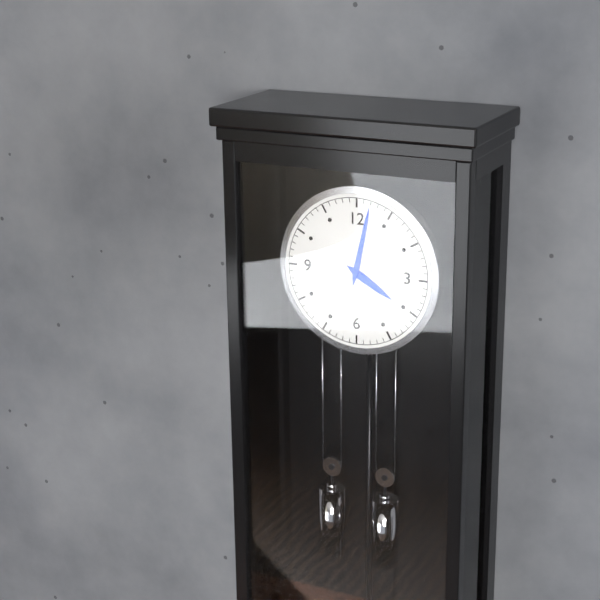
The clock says 4:02
